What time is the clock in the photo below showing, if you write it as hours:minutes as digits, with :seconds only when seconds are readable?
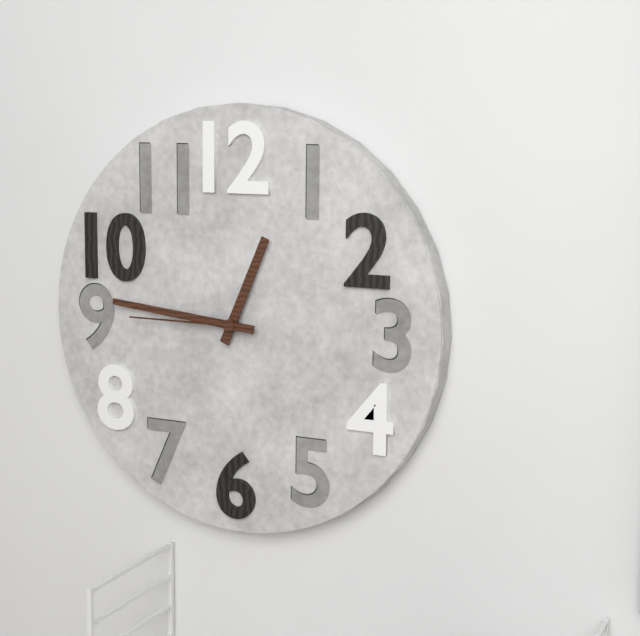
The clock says 12:46:45
